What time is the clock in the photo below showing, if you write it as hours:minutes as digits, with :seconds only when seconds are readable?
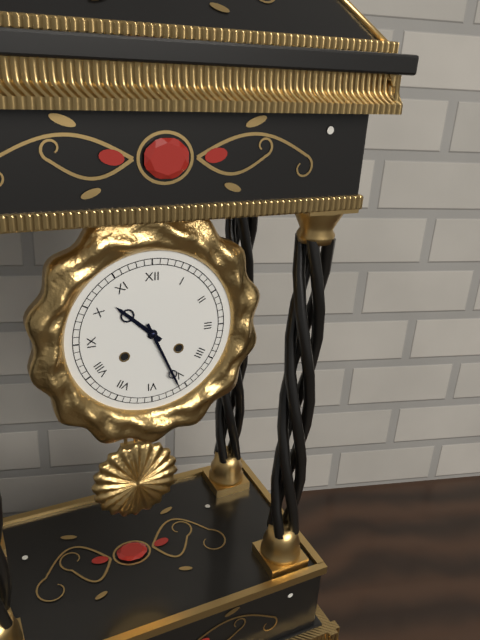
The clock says 10:26
